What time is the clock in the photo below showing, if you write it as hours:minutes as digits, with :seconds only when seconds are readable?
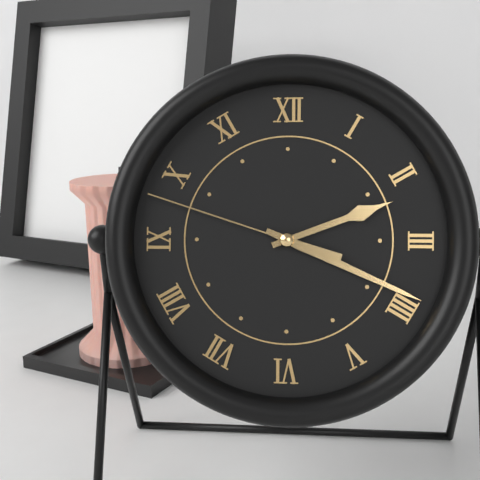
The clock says 2:19:48
